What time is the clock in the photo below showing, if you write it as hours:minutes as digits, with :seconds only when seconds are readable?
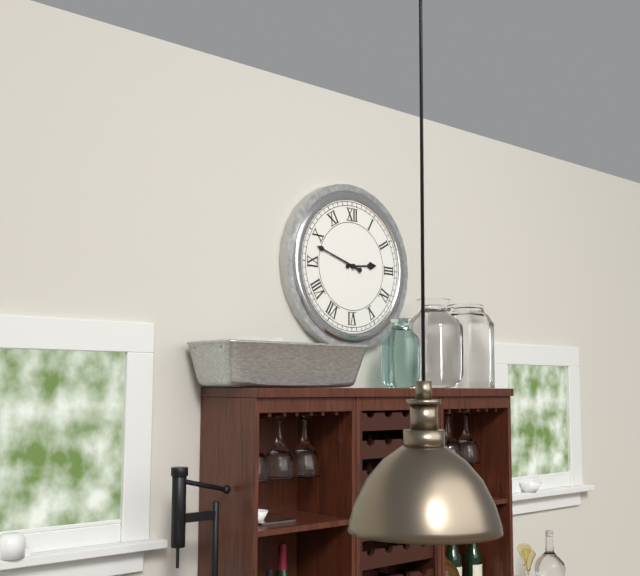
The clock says 2:48
